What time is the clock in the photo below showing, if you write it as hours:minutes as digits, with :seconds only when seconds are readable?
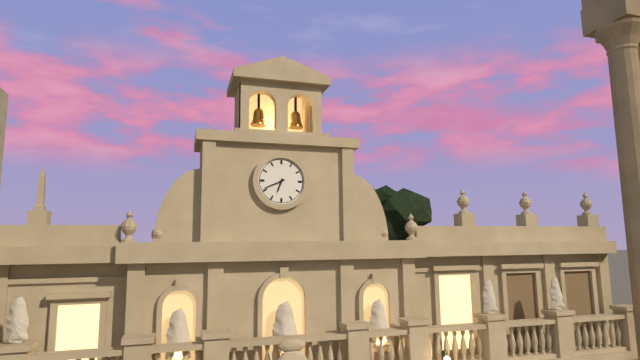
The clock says 6:41
